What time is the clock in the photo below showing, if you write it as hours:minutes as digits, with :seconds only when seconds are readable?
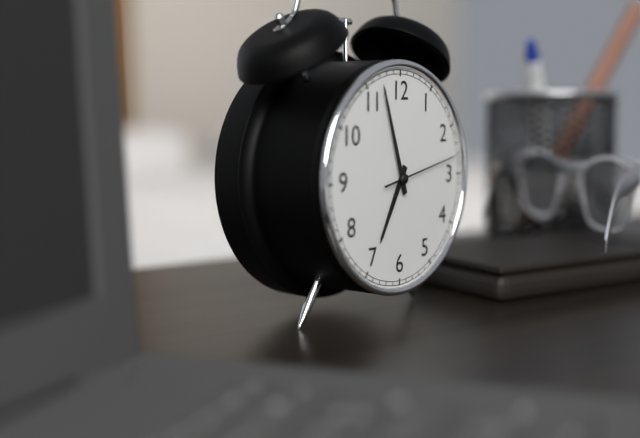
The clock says 6:57:13
